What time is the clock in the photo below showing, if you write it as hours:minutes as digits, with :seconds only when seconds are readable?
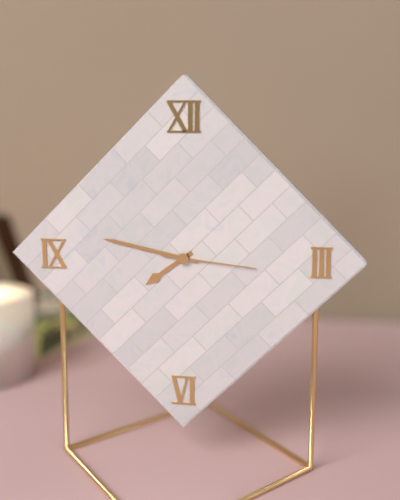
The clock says 7:47:16
